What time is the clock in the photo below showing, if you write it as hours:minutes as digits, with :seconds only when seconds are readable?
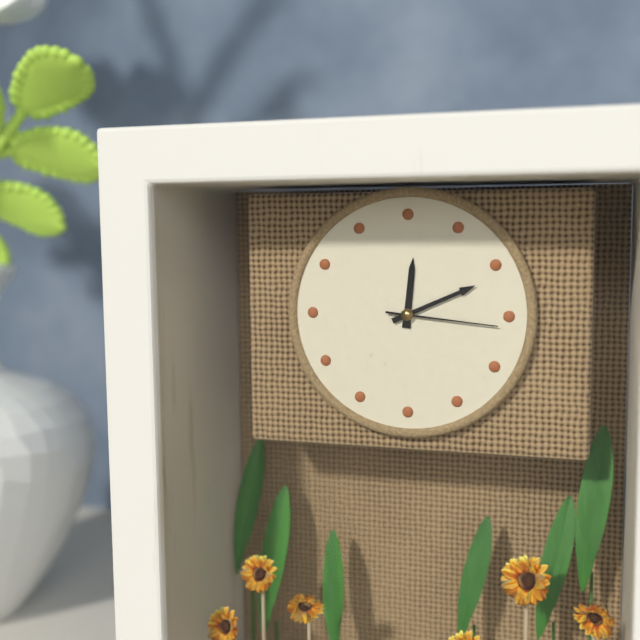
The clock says 12:11:16
